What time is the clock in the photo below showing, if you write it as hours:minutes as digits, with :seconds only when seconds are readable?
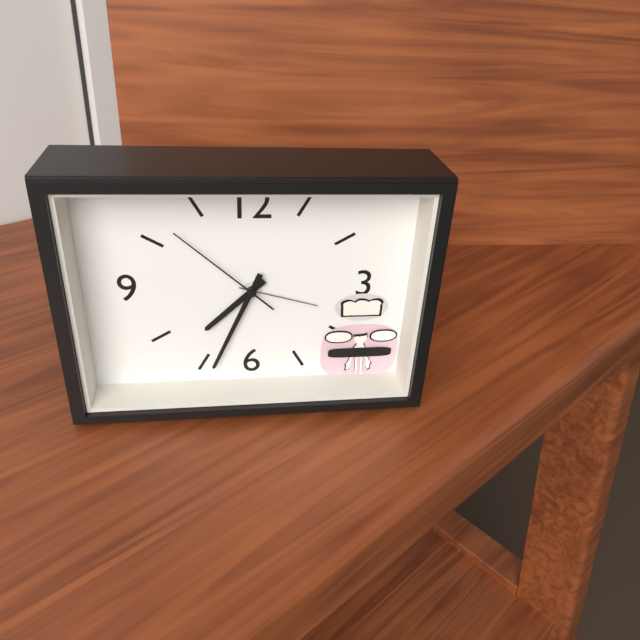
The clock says 7:34:52
